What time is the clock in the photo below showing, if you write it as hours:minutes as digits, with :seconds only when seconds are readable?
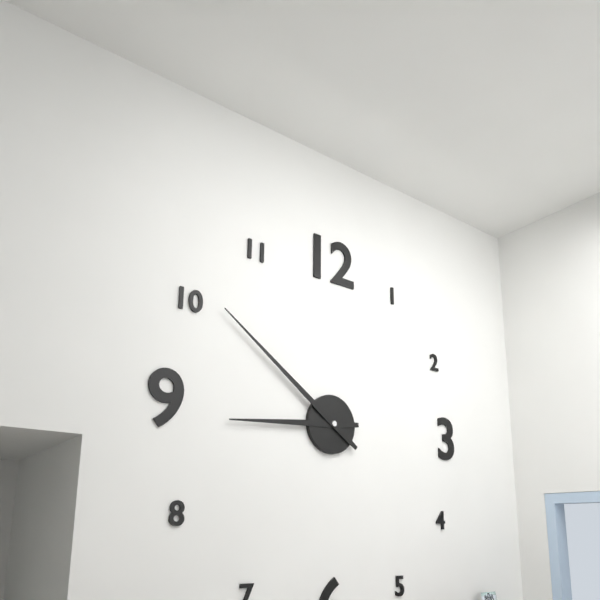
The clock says 8:51
